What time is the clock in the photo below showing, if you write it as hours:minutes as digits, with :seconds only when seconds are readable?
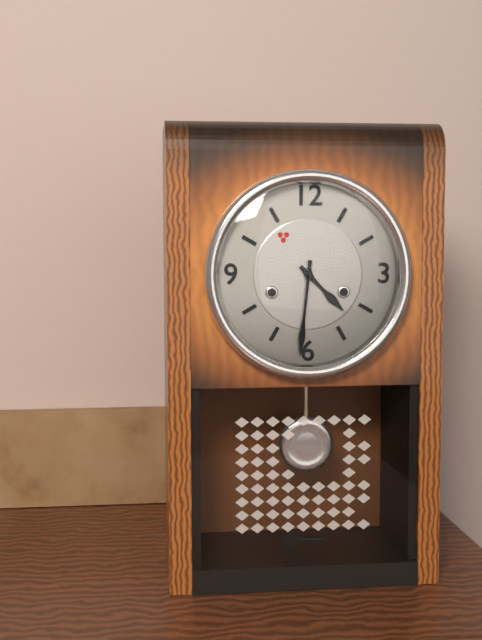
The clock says 4:31
